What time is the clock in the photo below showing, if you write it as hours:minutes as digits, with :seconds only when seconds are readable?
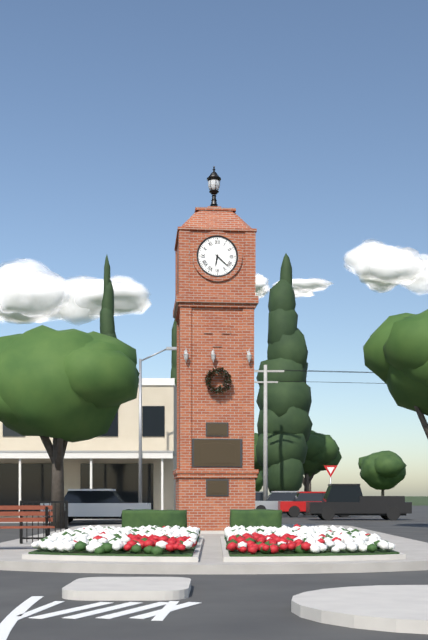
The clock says 6:22
